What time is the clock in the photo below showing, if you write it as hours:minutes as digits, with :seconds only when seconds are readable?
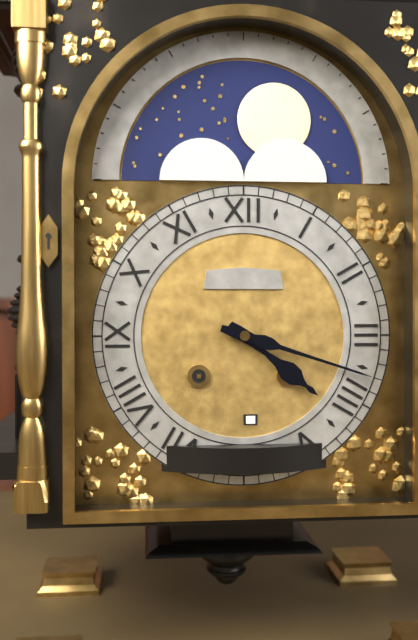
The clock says 4:18
